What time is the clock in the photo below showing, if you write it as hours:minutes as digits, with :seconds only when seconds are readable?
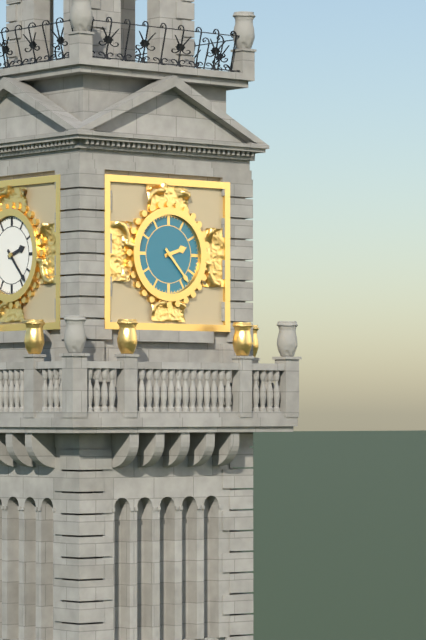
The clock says 2:23
